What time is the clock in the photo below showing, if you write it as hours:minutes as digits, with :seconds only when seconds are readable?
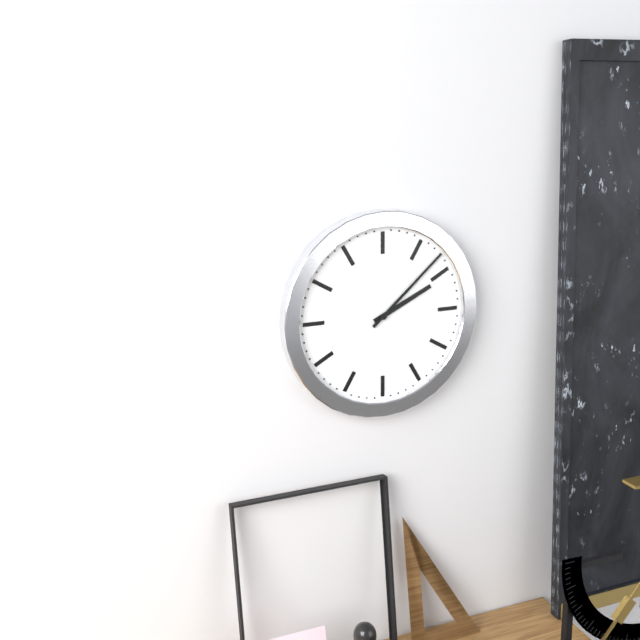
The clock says 2:08
